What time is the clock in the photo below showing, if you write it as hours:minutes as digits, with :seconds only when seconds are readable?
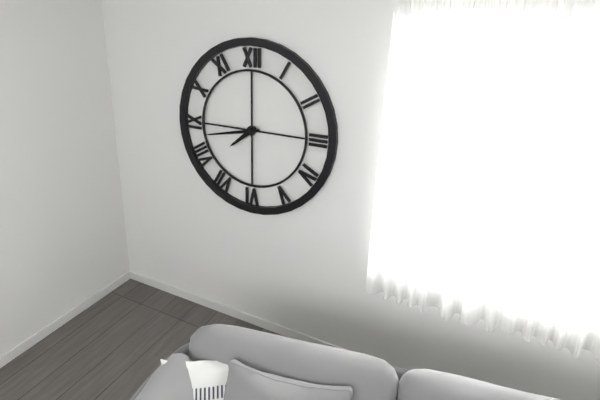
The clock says 7:43
